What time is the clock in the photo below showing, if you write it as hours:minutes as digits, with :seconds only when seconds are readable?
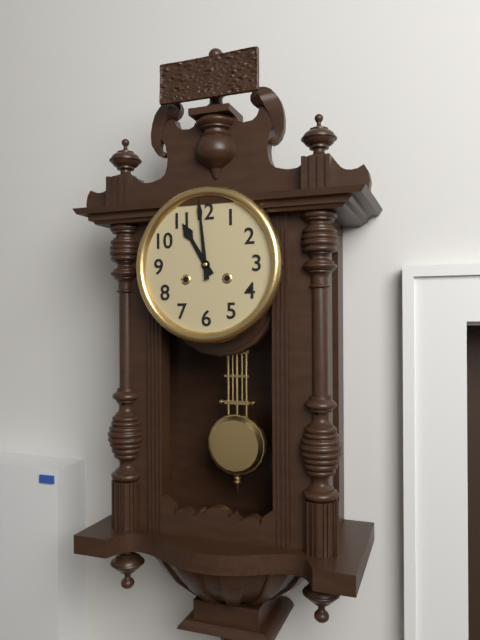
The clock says 10:59
